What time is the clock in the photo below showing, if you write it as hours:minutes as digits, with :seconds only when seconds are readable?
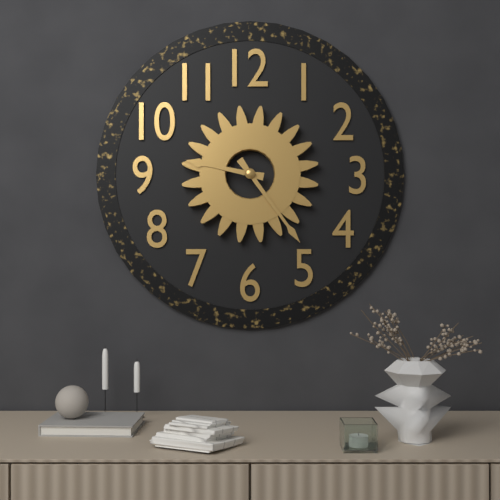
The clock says 9:24
